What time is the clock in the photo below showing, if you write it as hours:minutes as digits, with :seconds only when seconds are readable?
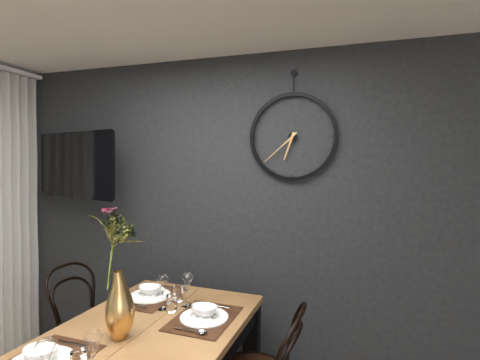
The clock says 6:38
